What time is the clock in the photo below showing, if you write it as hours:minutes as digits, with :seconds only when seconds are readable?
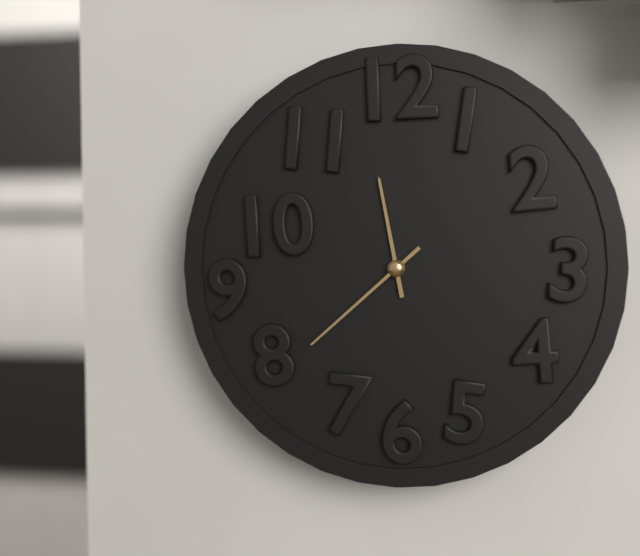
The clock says 11:38
